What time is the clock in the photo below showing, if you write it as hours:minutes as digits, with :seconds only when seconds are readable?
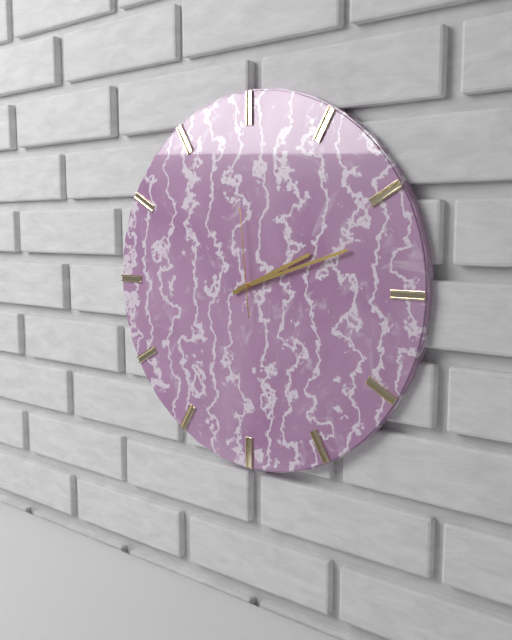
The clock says 2:12:59
